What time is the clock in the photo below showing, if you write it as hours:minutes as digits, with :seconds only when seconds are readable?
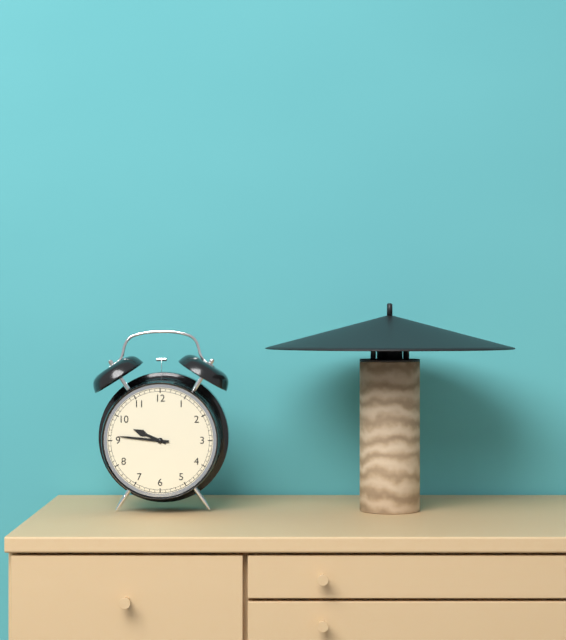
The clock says 9:46
